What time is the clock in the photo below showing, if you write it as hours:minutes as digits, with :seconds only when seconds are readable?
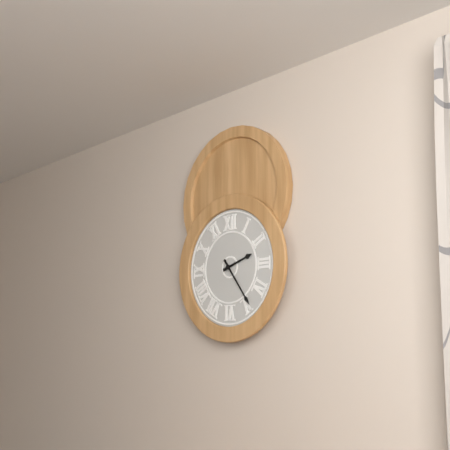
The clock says 2:24
